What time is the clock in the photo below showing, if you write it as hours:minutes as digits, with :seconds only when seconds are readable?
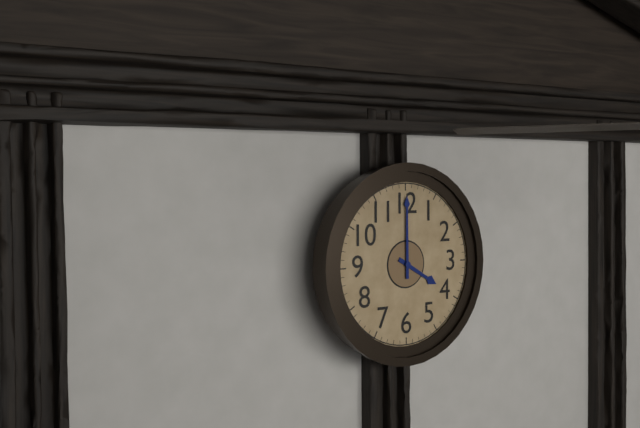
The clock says 4:00
